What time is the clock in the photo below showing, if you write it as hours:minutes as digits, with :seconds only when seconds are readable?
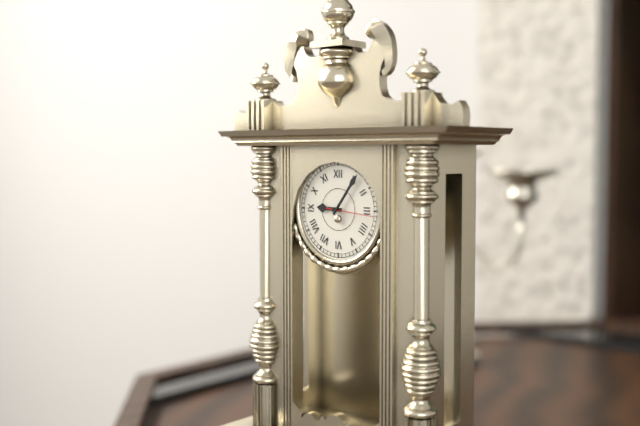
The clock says 9:06
